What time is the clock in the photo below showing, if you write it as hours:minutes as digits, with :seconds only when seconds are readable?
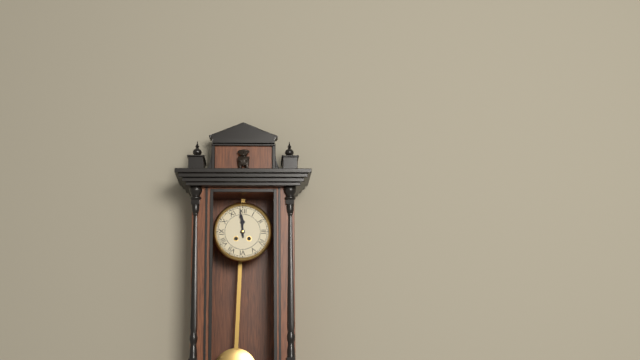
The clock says 11:59
